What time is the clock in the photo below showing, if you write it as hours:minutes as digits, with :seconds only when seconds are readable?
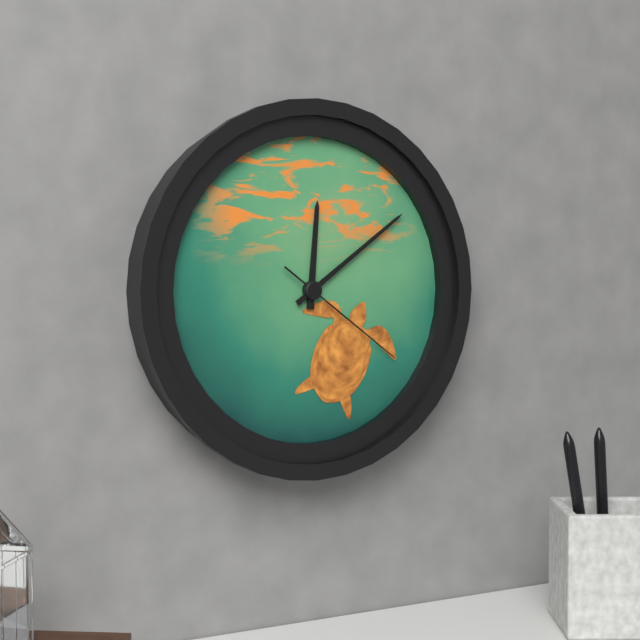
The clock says 12:09:21
